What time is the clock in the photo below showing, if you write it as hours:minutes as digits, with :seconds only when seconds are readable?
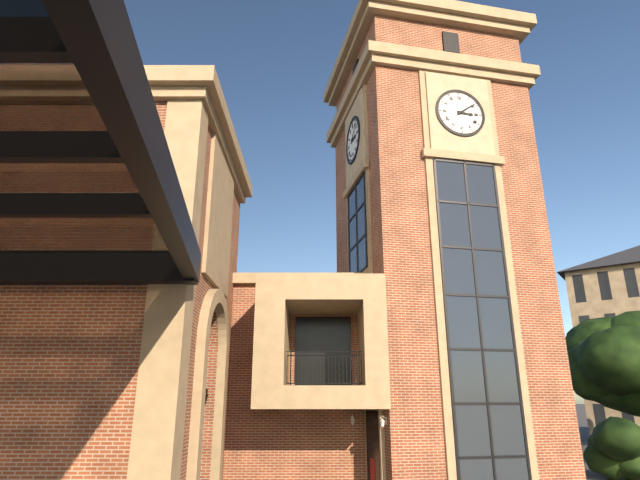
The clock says 3:09
